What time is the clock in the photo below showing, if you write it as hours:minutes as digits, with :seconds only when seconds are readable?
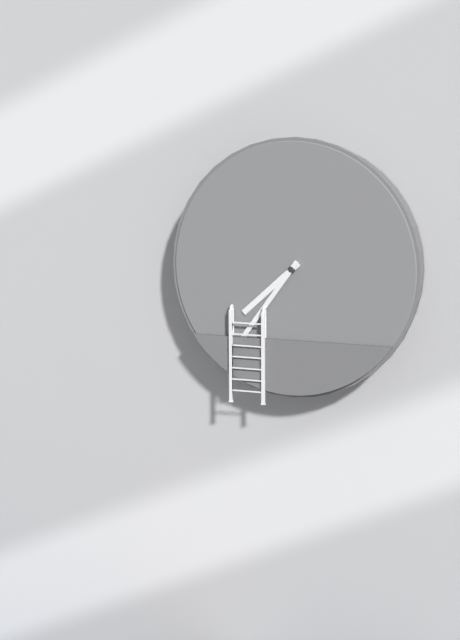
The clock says 7:36
